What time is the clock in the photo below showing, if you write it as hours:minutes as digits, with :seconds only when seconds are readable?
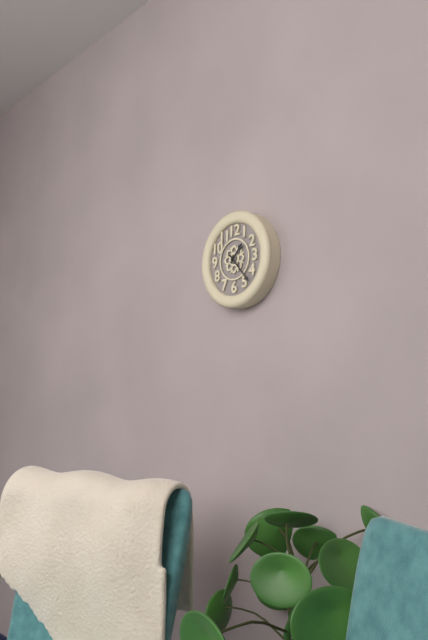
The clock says 1:23
